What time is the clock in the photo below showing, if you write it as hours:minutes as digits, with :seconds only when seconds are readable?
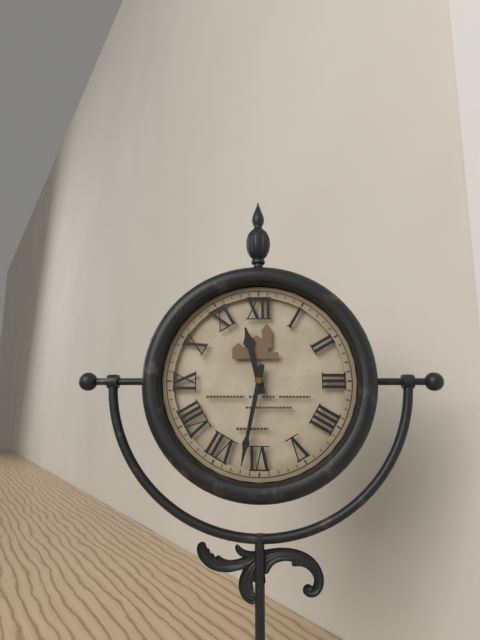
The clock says 11:32
